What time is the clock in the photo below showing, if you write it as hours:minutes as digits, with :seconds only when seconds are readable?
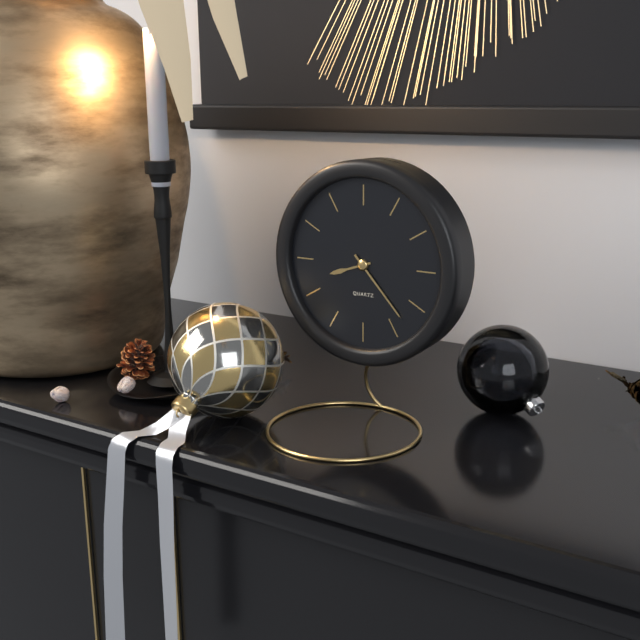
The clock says 8:23
